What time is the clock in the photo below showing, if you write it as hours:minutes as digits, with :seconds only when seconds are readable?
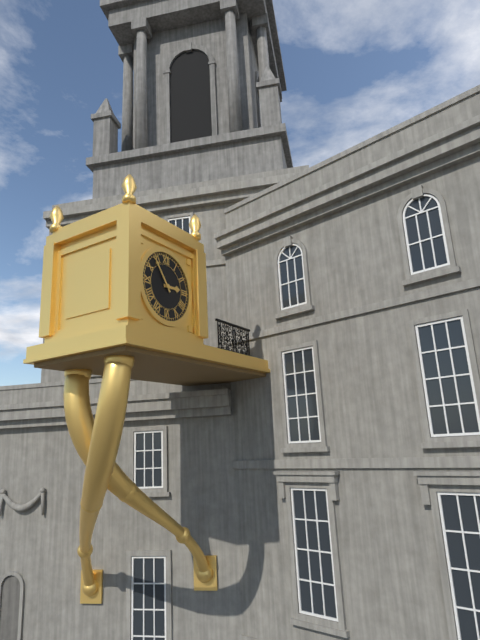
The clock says 2:54
